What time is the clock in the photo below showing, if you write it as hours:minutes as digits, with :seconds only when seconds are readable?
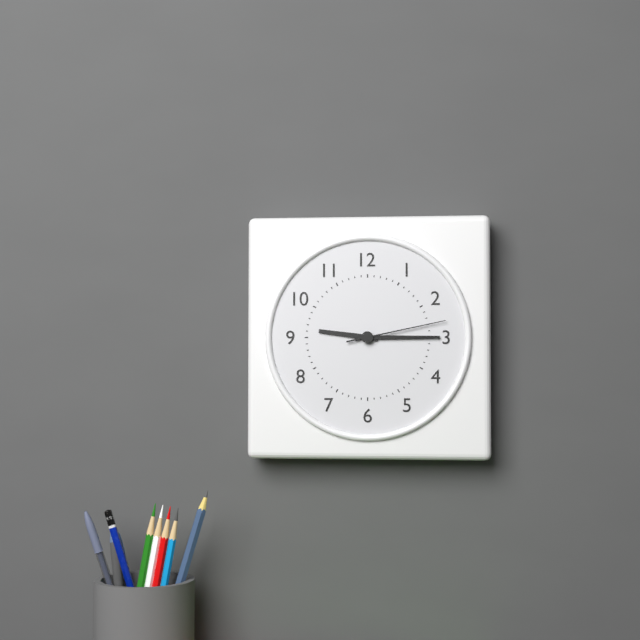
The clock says 9:15:13
